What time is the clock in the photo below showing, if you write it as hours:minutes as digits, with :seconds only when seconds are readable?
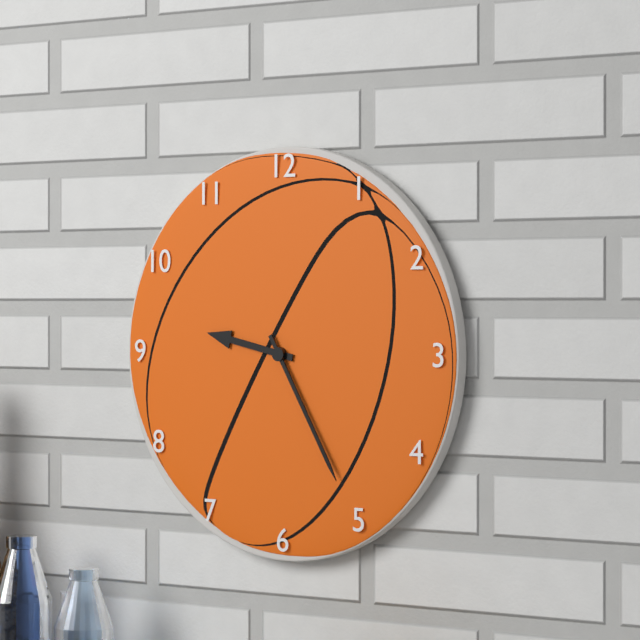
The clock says 9:25
